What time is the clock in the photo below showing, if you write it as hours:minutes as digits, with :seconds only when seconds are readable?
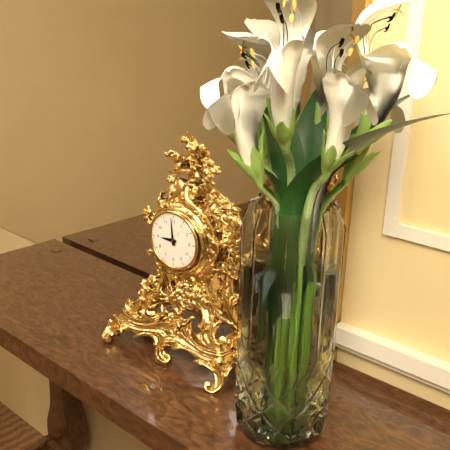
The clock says 8:59
